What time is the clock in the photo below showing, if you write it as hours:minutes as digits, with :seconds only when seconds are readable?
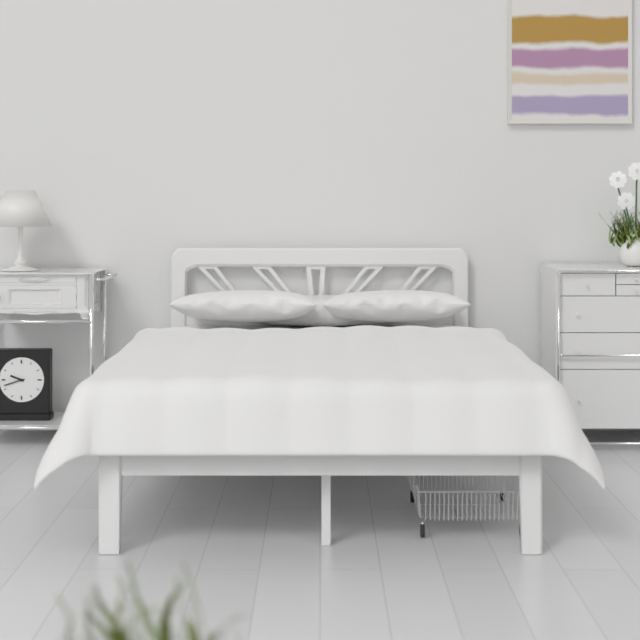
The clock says 9:42
